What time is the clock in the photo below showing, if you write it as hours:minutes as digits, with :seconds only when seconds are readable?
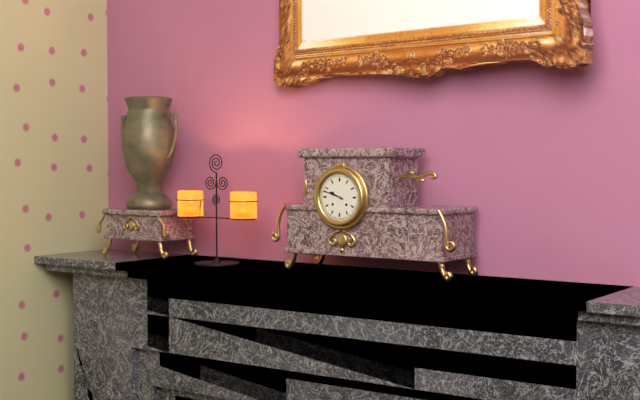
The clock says 9:48
